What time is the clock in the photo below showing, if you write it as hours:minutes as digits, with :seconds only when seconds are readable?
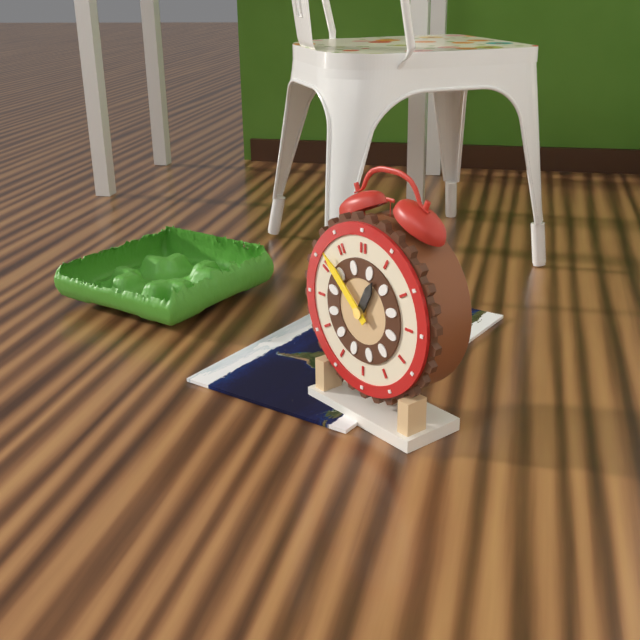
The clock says 12:52
